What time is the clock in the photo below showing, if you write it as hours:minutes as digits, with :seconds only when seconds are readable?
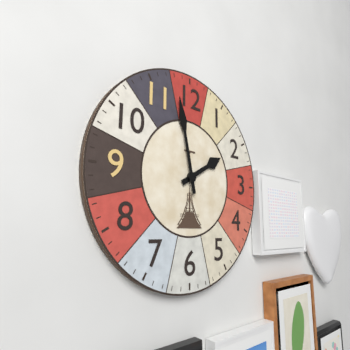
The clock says 1:58
